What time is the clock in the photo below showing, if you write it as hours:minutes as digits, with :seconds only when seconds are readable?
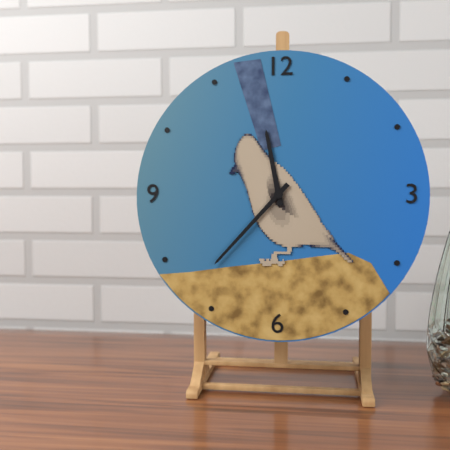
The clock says 11:37
